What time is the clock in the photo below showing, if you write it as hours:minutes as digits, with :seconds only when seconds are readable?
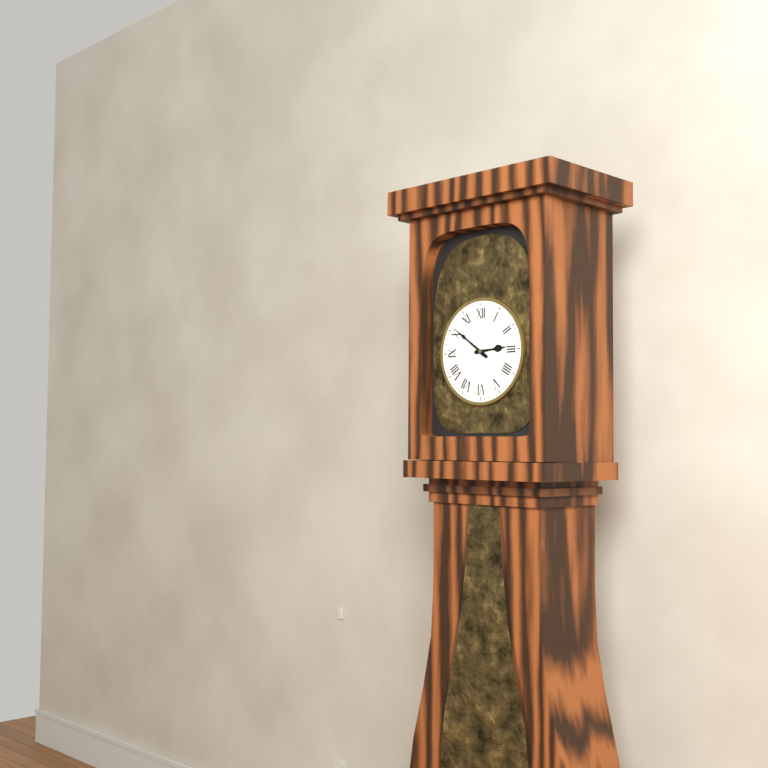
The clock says 2:51
